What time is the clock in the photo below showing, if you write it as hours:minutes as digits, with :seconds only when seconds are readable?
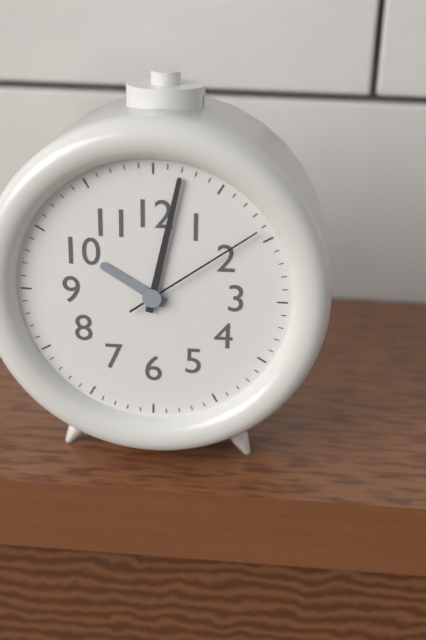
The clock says 10:02:09
